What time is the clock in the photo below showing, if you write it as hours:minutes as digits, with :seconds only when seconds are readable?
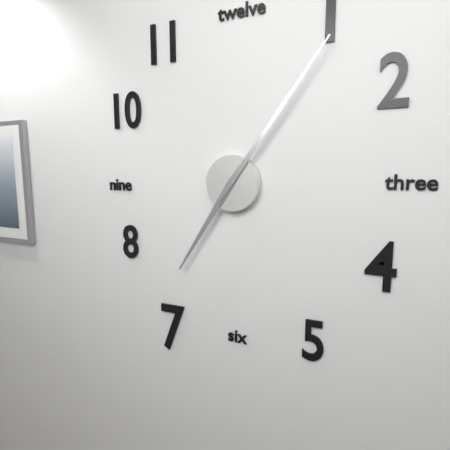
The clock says 7:06
